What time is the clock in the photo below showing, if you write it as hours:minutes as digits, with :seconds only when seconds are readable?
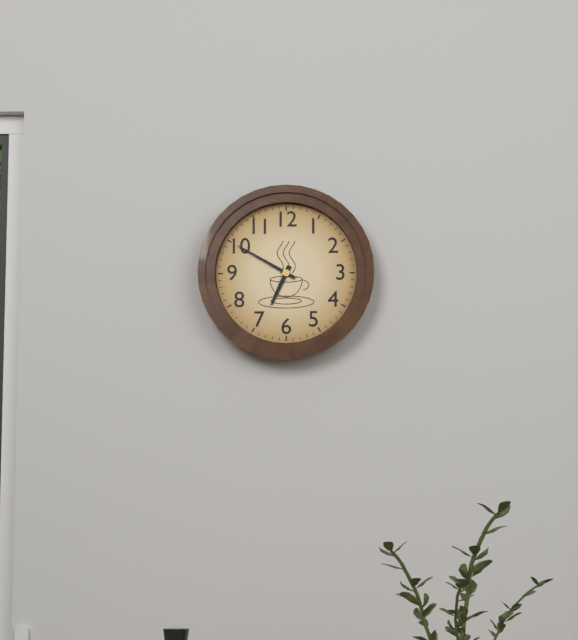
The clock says 6:50
